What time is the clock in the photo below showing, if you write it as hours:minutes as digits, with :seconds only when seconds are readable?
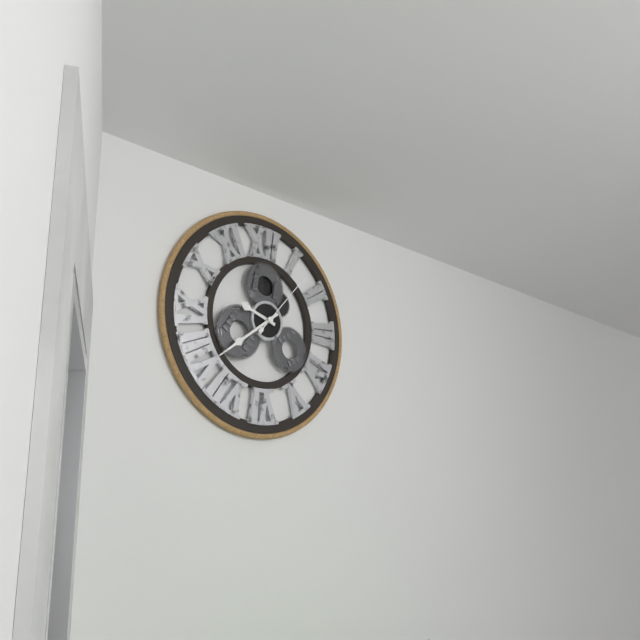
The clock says 9:39:07
